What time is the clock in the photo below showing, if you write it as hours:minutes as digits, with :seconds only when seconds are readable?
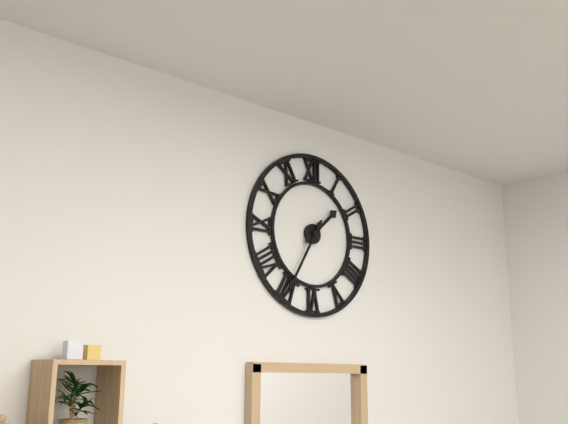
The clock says 1:35
